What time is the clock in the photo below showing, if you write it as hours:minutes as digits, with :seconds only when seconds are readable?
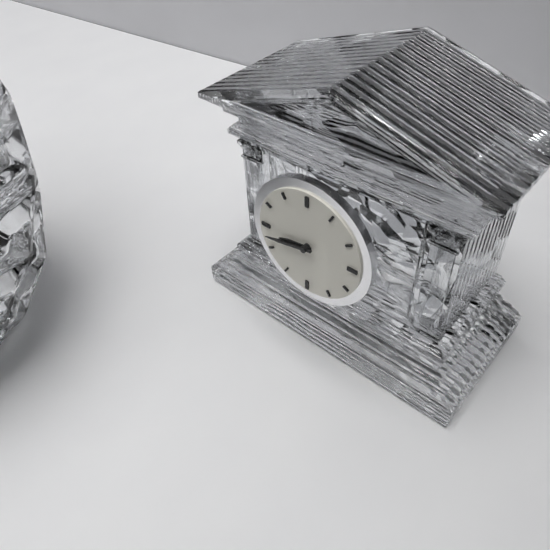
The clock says 8:43
